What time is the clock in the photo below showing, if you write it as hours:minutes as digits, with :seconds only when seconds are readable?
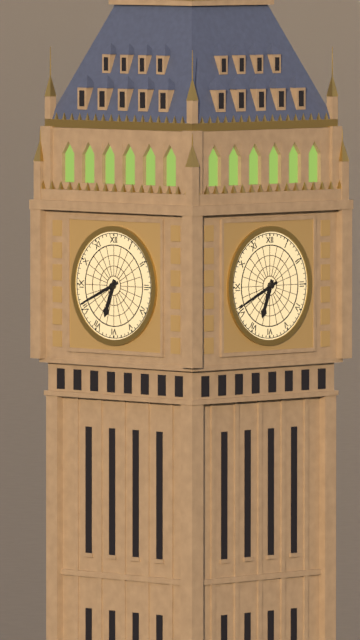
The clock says 6:41
